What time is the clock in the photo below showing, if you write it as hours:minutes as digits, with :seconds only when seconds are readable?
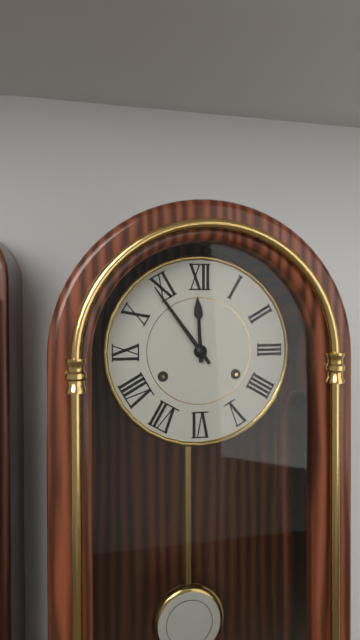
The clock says 11:54
